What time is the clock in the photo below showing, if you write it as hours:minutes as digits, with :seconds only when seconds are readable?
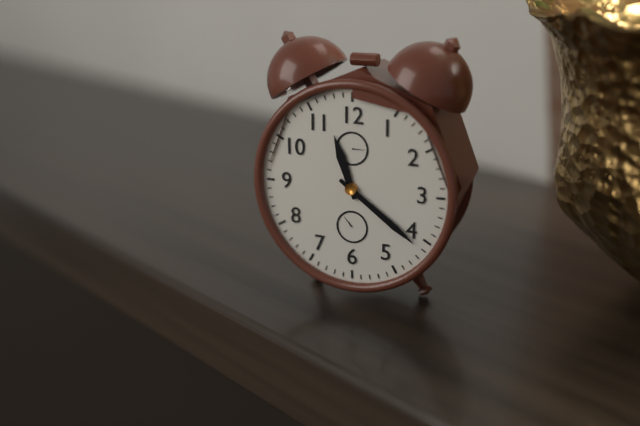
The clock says 11:21
